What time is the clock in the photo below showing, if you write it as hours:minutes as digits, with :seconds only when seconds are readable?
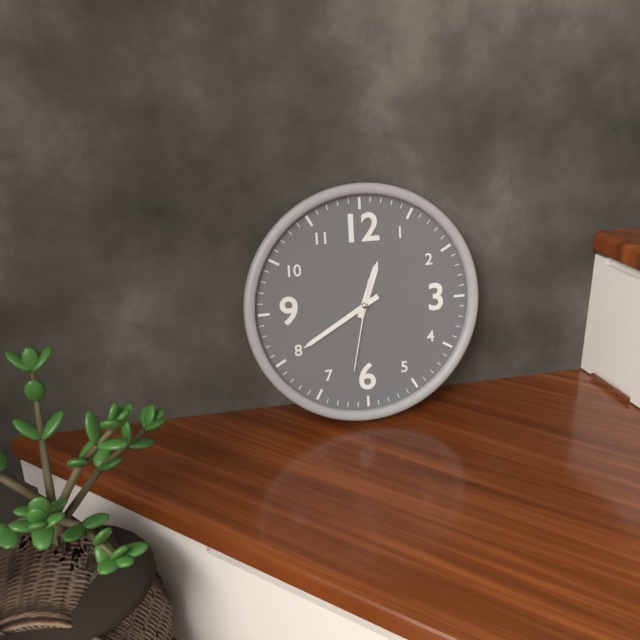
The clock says 12:40:32
